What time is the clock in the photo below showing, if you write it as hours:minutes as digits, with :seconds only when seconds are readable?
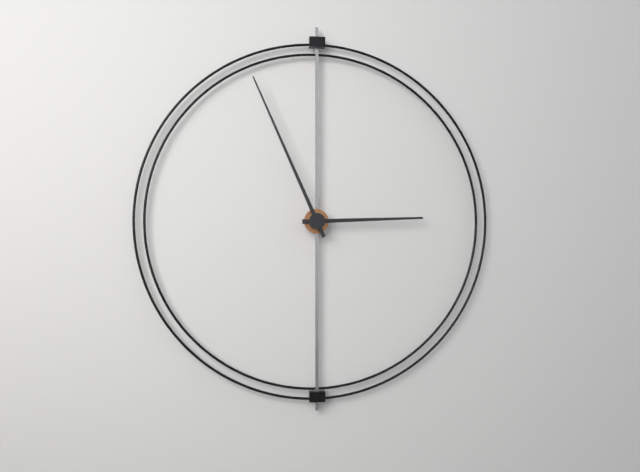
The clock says 2:56
